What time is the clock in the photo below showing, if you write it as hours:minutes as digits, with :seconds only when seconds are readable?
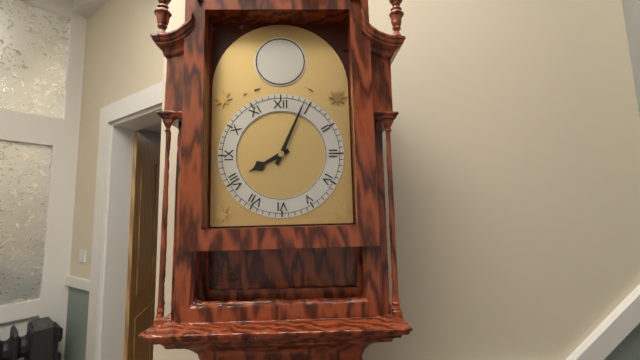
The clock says 8:04
